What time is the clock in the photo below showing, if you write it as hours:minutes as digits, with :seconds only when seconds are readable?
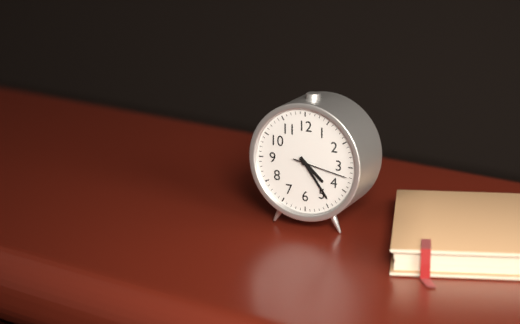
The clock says 4:24:17
